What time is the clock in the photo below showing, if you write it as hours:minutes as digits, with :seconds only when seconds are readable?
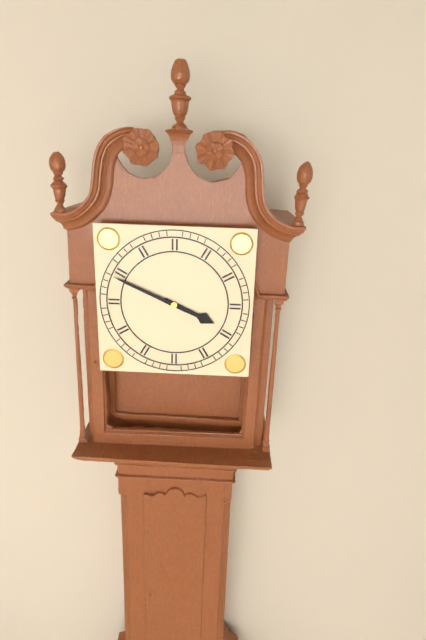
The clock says 3:49
